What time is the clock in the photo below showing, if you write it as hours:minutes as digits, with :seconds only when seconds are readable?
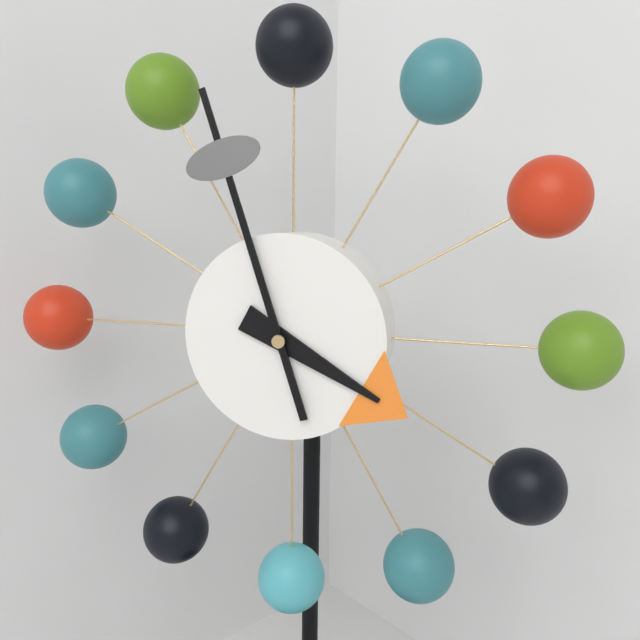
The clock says 3:57
